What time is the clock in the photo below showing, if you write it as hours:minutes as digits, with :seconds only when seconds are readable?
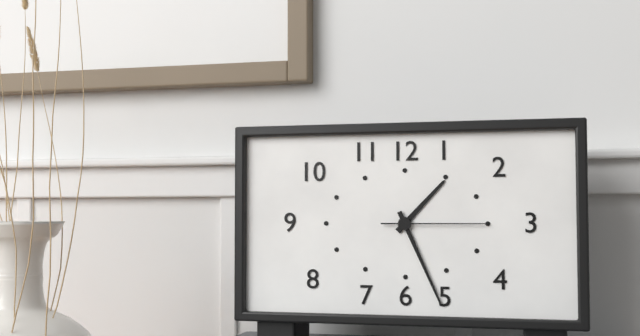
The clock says 1:26:15
